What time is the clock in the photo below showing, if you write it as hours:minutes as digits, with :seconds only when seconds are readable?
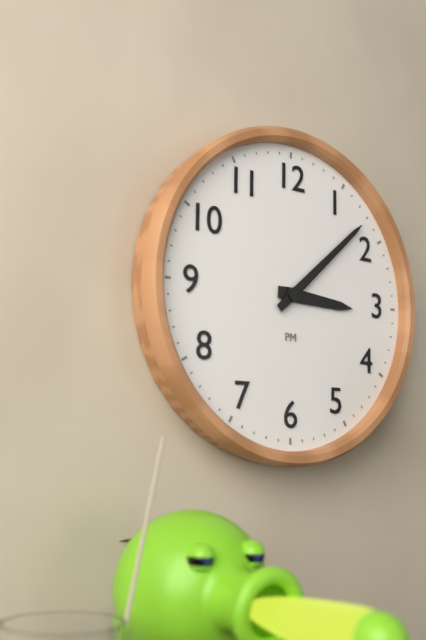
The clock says 3:08
